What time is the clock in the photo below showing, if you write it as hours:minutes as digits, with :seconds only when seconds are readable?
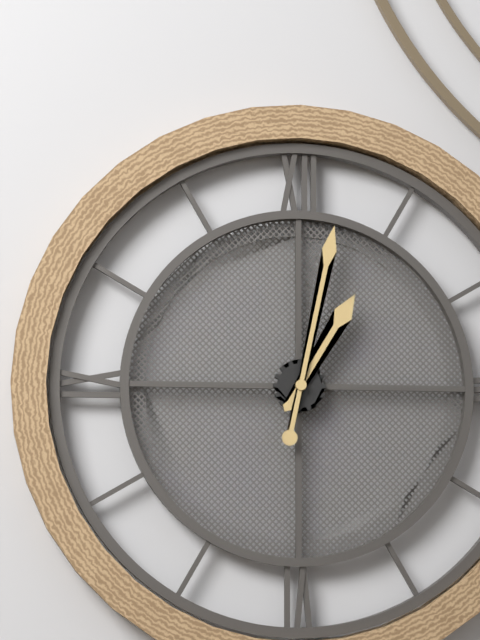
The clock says 1:02
